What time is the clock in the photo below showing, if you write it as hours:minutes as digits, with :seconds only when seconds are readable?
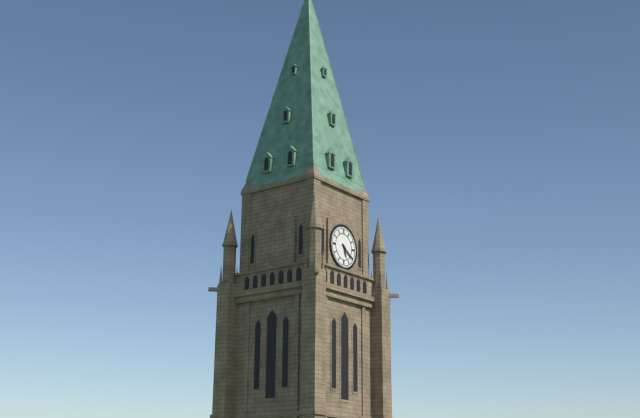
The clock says 5:21
